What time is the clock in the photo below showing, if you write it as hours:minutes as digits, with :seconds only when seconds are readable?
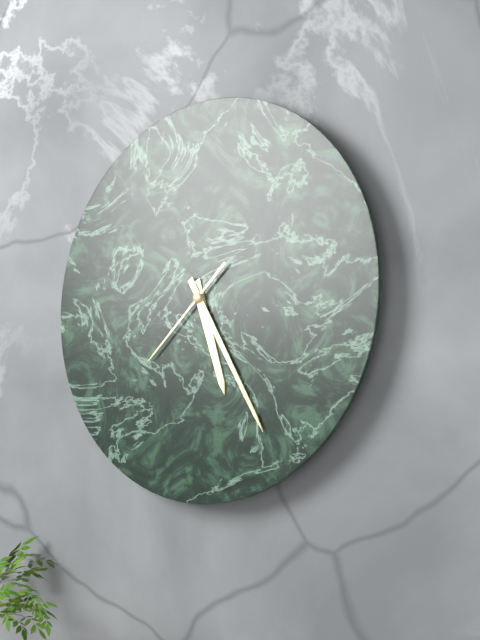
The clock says 5:25:38
